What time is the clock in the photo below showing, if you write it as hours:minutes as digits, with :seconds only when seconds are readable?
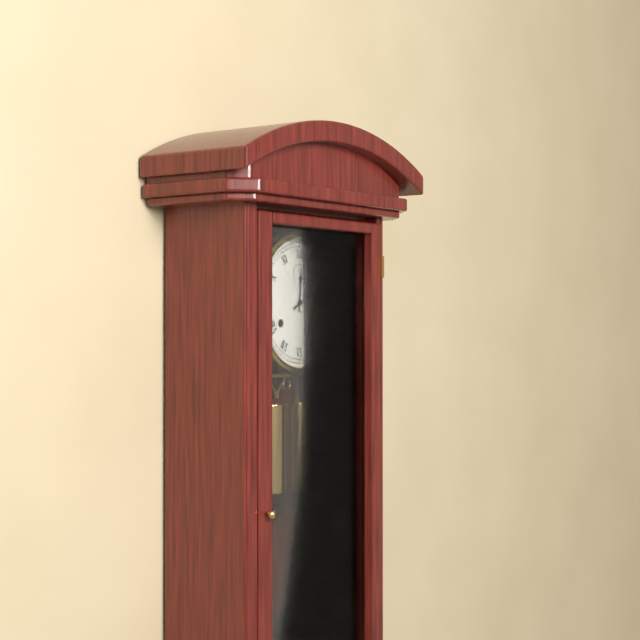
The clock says 12:10
